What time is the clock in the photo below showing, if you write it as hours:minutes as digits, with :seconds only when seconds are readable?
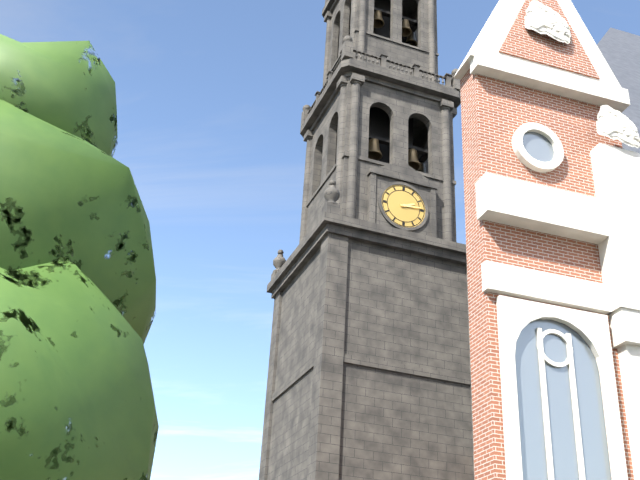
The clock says 2:14
